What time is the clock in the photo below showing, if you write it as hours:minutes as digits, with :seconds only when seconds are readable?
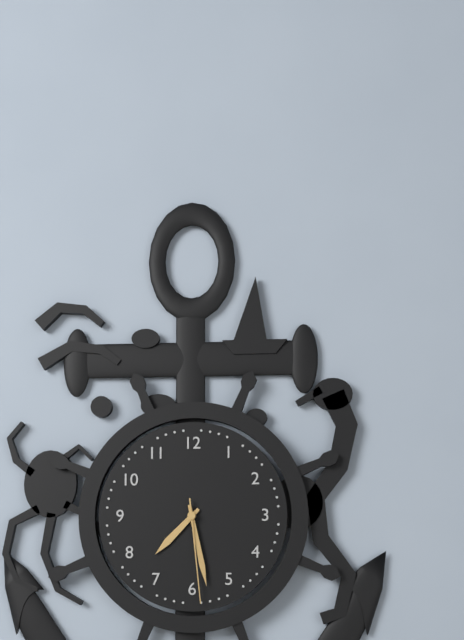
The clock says 7:28:29
